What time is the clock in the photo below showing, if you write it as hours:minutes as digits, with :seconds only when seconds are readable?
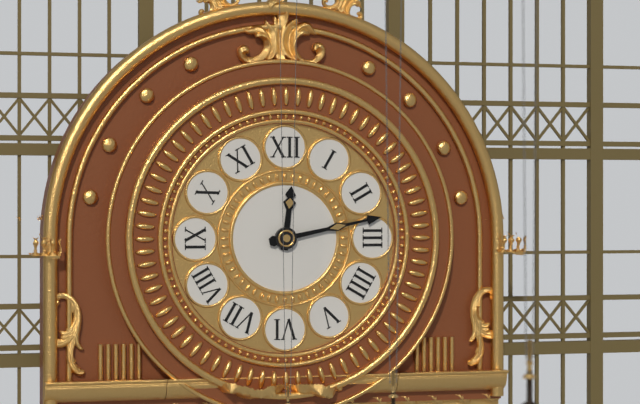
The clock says 12:13
